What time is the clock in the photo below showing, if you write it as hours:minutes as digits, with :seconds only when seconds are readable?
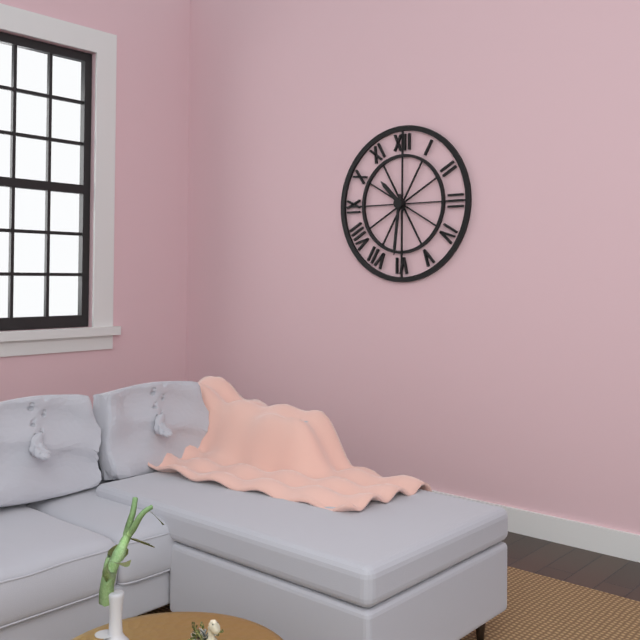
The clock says 10:31
